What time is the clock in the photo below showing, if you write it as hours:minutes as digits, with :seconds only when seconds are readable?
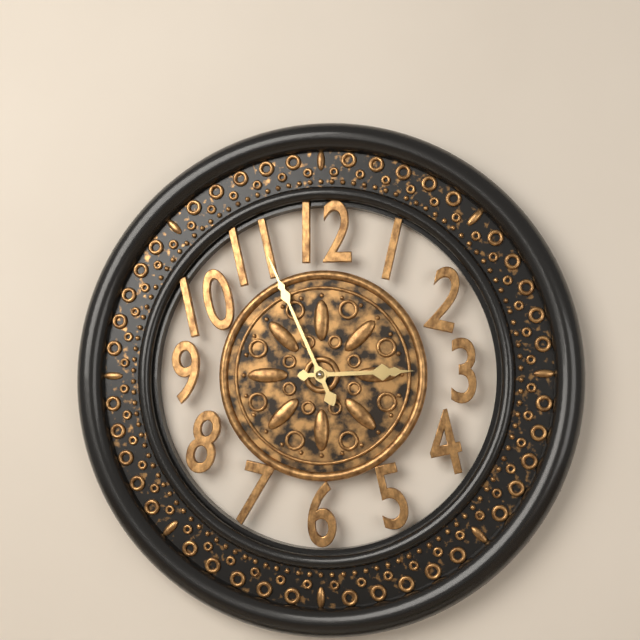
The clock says 2:56
